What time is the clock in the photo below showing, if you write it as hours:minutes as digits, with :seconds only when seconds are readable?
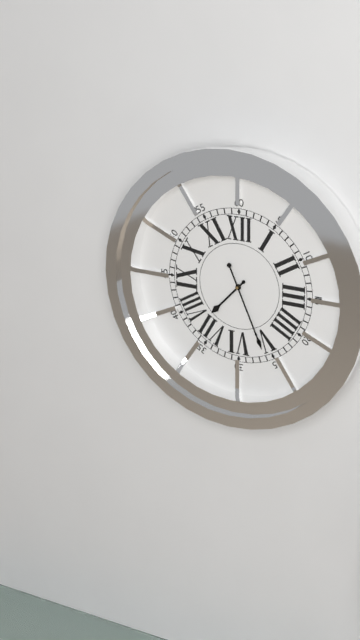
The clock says 7:26
